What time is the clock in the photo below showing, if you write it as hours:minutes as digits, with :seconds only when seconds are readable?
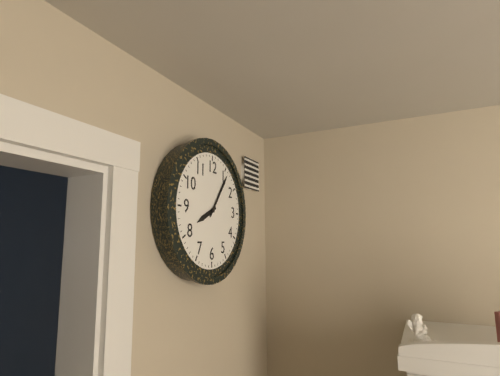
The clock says 8:06
